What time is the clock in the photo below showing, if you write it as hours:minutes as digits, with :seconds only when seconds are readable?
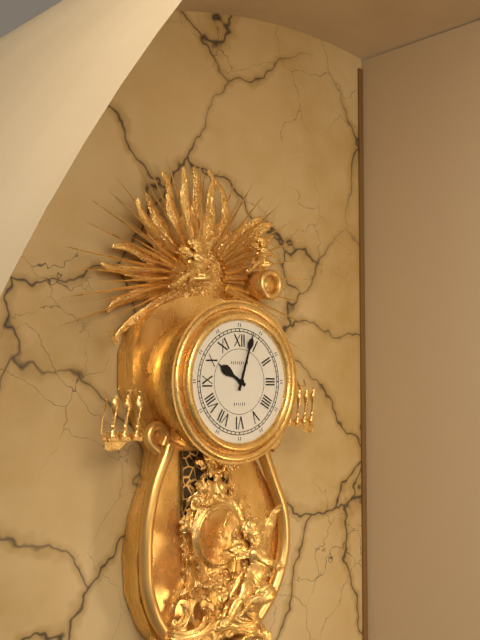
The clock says 10:03
